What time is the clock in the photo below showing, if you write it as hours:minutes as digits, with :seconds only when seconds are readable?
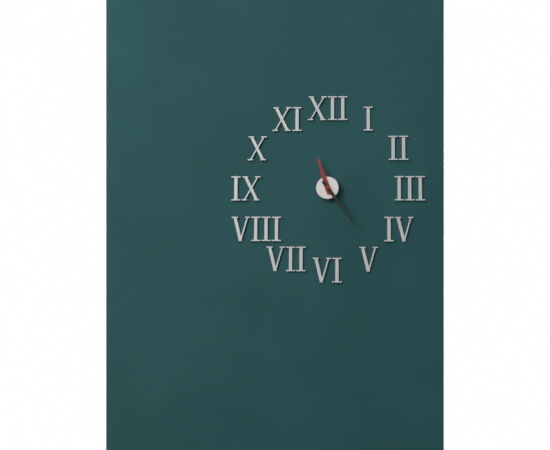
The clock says 11:24
